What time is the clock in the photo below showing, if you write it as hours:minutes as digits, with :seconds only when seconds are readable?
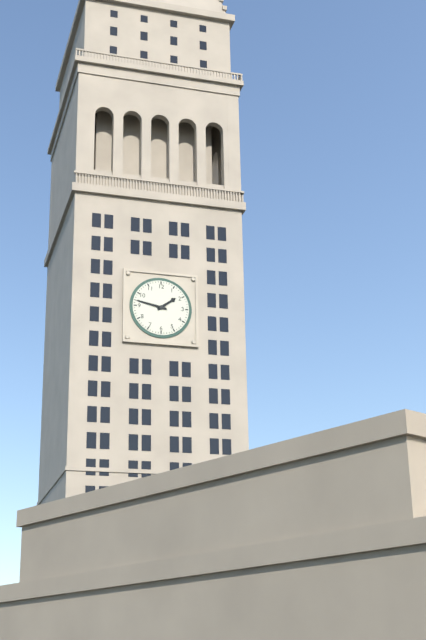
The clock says 1:47
